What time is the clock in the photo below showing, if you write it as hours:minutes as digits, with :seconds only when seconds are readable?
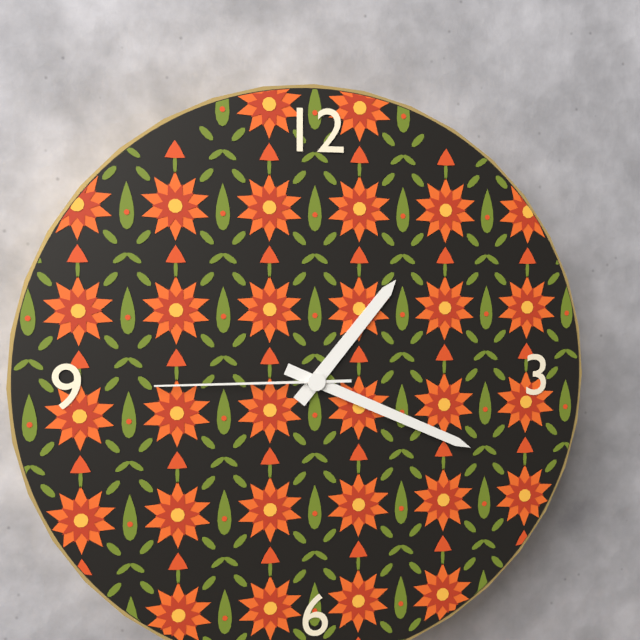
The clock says 1:19:45
